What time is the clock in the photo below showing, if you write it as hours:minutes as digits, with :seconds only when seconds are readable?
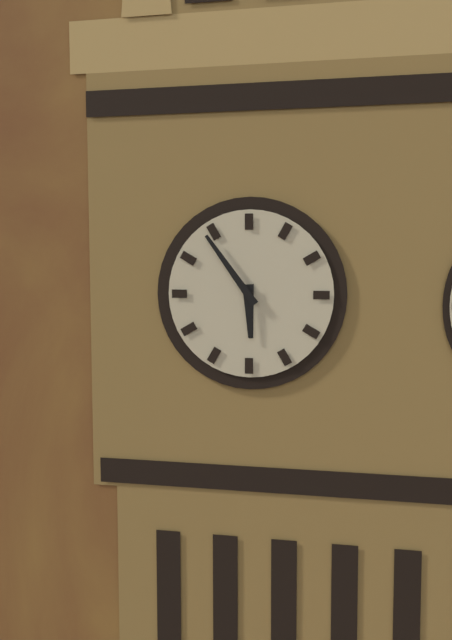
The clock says 5:54
